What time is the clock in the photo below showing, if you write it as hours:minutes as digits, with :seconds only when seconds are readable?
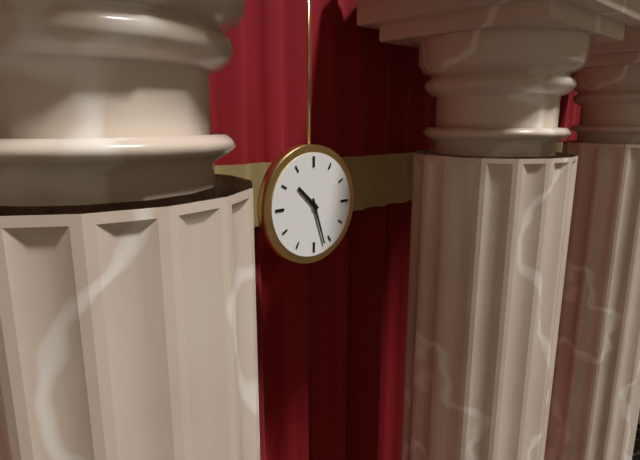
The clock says 10:27
